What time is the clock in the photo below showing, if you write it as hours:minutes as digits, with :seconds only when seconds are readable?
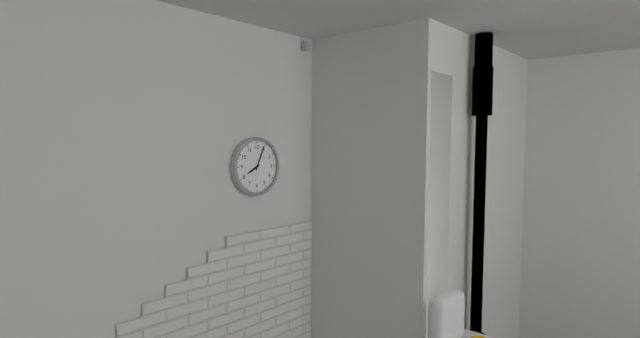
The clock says 8:04
